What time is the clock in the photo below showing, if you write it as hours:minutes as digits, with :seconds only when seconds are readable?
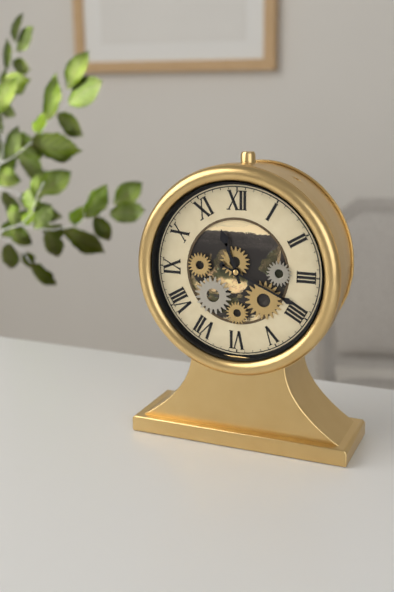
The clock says 11:19
